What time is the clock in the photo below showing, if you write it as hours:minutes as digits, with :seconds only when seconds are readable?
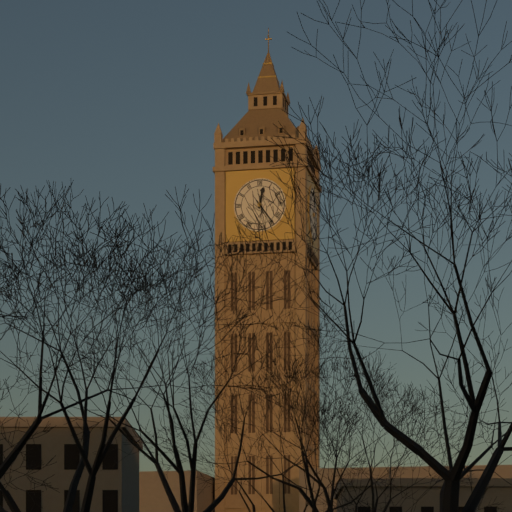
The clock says 12:24
